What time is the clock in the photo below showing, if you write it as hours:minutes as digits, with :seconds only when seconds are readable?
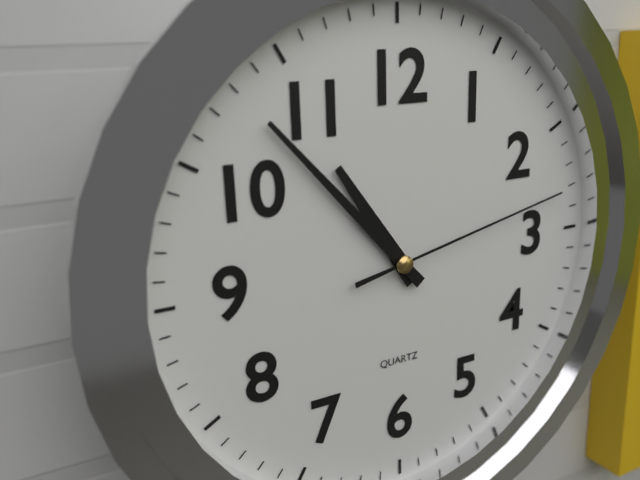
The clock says 10:53:13
